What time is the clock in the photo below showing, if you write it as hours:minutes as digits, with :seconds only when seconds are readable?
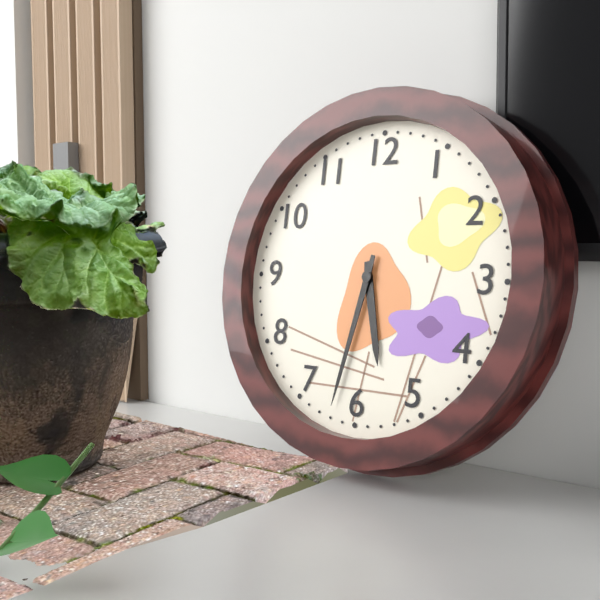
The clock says 5:32
